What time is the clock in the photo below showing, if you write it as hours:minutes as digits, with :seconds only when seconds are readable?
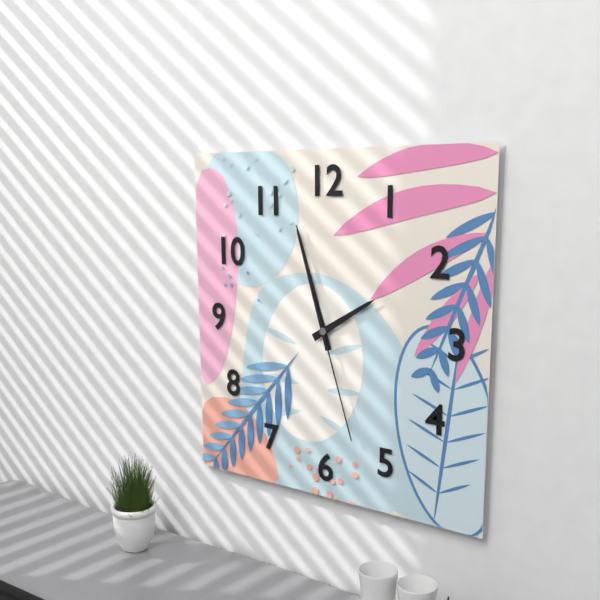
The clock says 1:57:27
